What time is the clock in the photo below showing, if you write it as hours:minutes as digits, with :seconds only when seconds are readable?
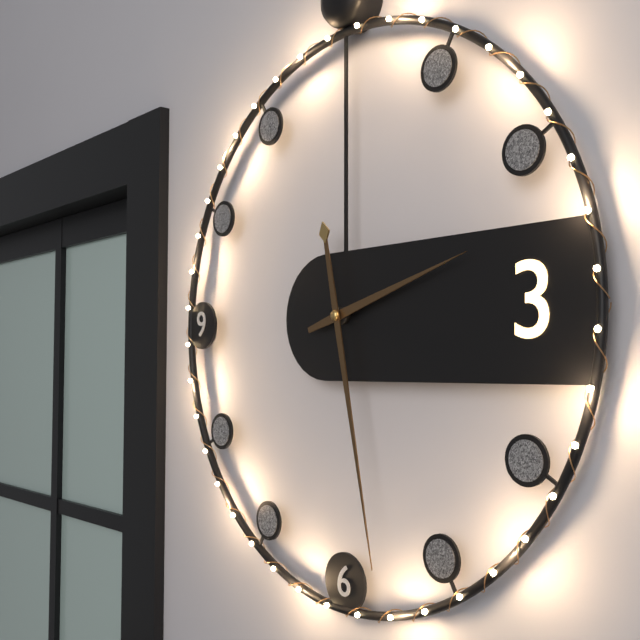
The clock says 2:28
